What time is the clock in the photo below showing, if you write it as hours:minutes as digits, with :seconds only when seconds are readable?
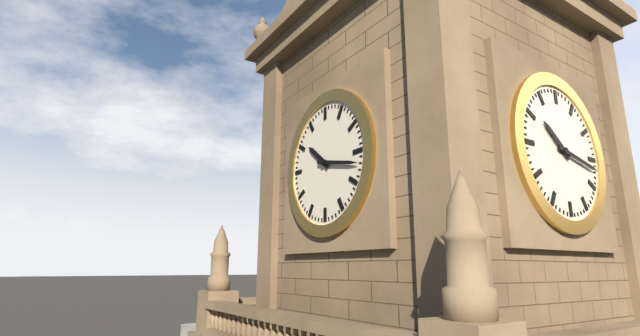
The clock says 10:17
